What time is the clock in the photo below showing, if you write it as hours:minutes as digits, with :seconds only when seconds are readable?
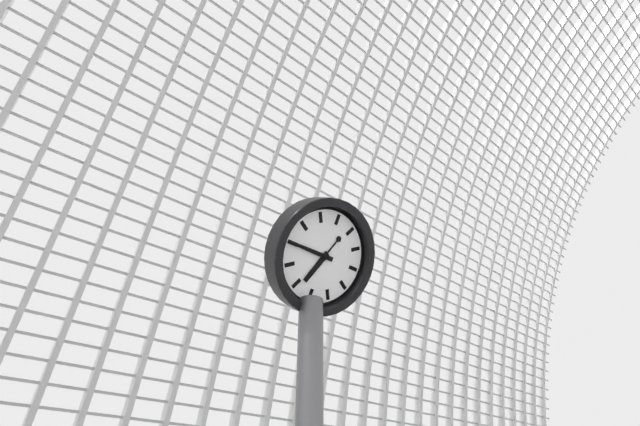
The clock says 6:45
